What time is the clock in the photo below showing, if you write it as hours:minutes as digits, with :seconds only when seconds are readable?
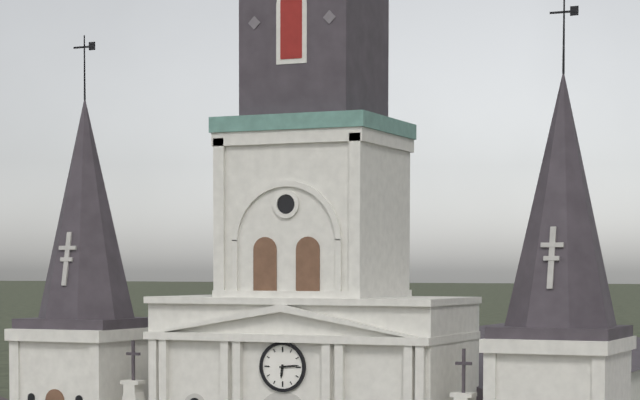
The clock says 6:14
